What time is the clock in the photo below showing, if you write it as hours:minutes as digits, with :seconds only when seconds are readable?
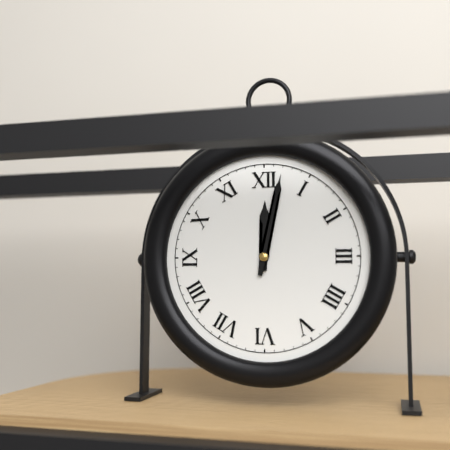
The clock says 12:02
